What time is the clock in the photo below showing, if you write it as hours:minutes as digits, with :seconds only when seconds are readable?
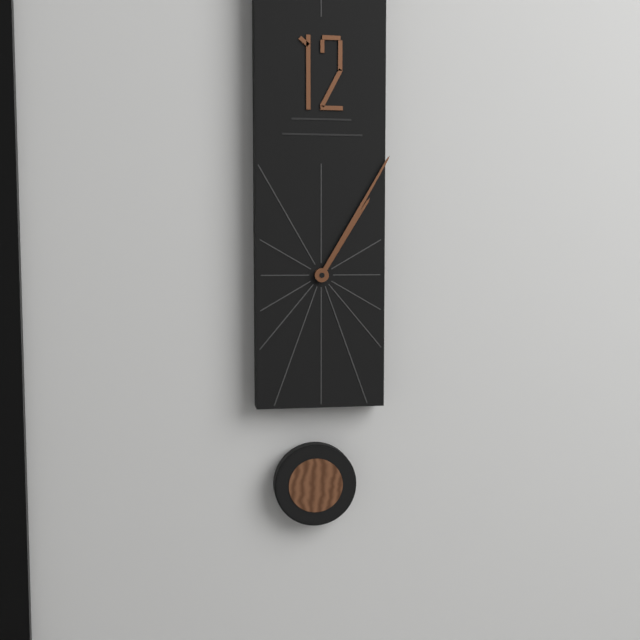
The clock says 1:05
